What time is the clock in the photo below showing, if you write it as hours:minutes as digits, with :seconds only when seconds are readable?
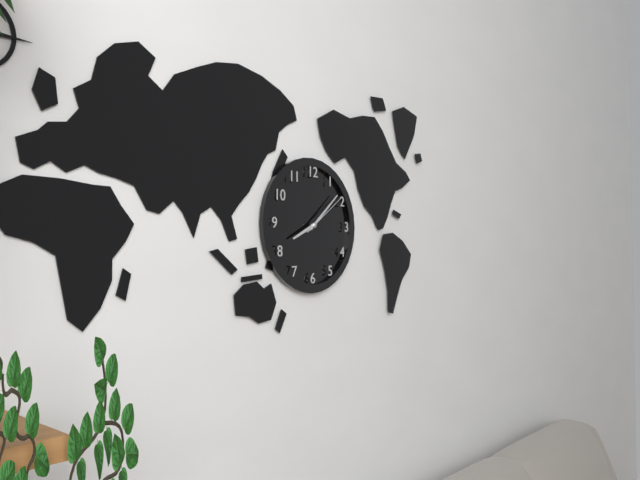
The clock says 8:08:09
